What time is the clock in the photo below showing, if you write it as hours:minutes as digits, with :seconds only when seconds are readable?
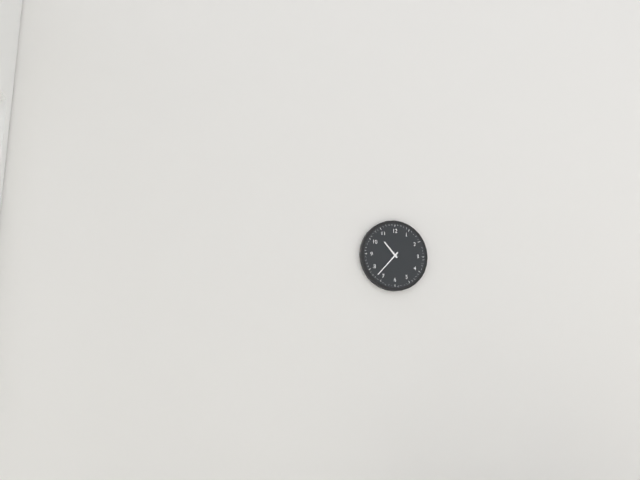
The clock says 10:37
